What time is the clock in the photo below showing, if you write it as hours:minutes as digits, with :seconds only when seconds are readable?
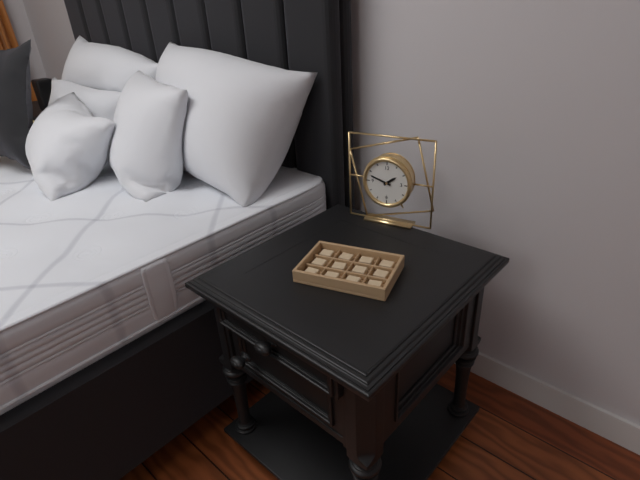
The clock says 1:48
